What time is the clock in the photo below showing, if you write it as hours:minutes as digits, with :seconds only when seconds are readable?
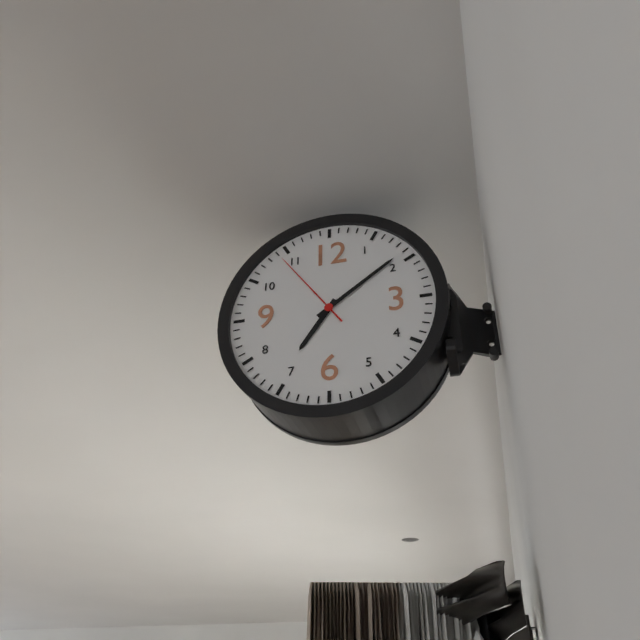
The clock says 7:09:54
